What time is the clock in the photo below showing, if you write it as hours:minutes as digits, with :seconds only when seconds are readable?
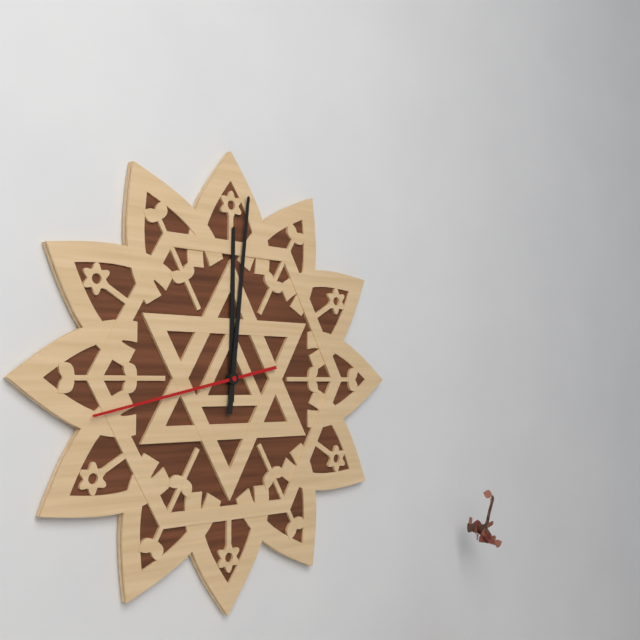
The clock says 12:01:43
